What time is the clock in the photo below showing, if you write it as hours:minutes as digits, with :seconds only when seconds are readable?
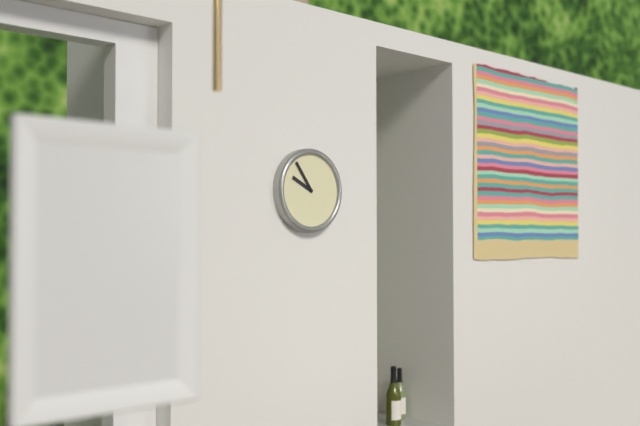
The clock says 9:54
